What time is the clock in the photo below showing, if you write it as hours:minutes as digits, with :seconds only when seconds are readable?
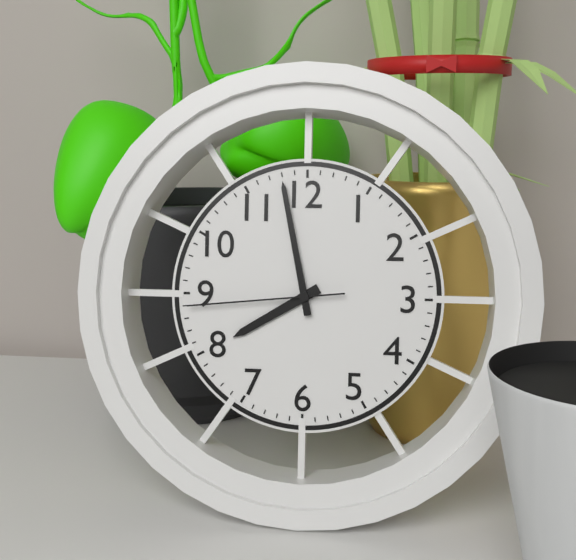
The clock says 7:58:44
